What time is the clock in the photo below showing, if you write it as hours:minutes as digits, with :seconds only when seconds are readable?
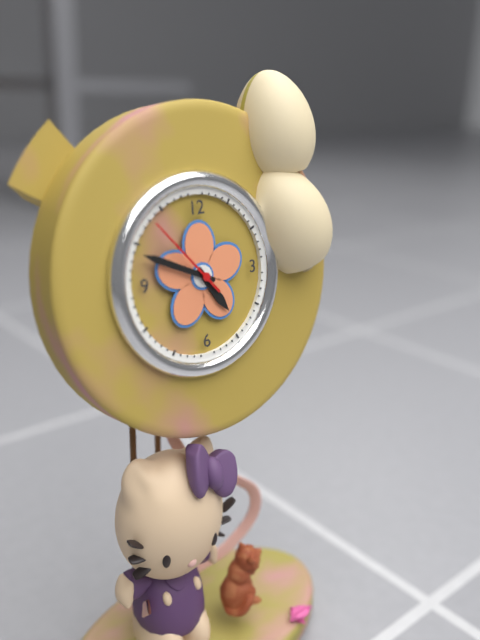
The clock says 4:49:53
